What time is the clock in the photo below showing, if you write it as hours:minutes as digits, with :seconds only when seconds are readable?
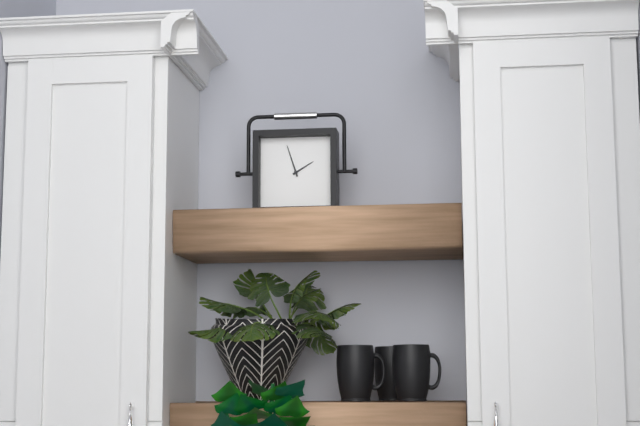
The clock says 1:57
